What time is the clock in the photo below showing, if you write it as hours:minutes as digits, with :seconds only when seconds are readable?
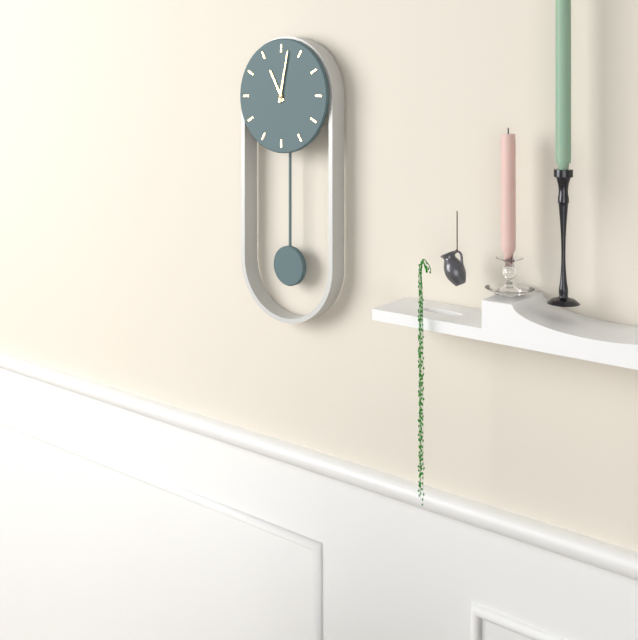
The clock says 11:02
